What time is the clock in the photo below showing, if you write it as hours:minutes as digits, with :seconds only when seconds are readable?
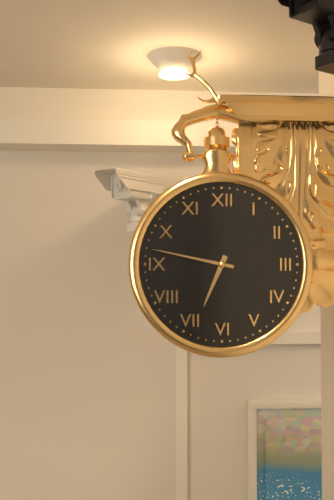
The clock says 6:47
